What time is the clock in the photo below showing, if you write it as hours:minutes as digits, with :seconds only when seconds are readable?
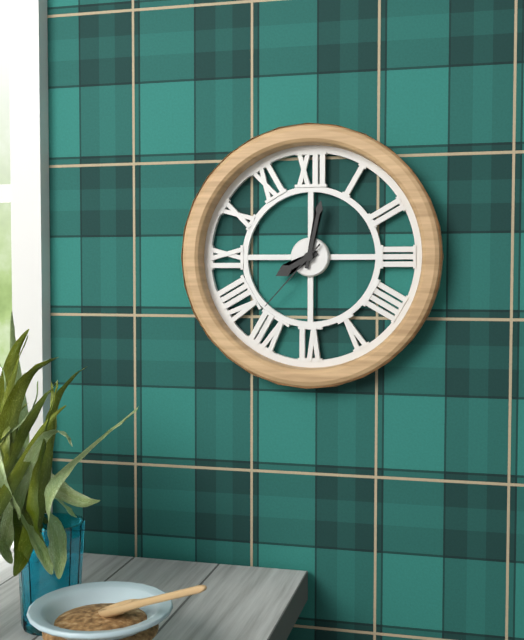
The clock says 8:02:37
